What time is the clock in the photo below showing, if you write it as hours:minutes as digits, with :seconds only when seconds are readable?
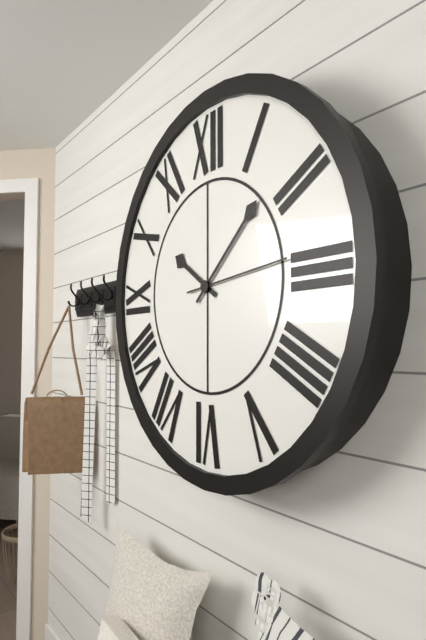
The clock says 10:08:14
